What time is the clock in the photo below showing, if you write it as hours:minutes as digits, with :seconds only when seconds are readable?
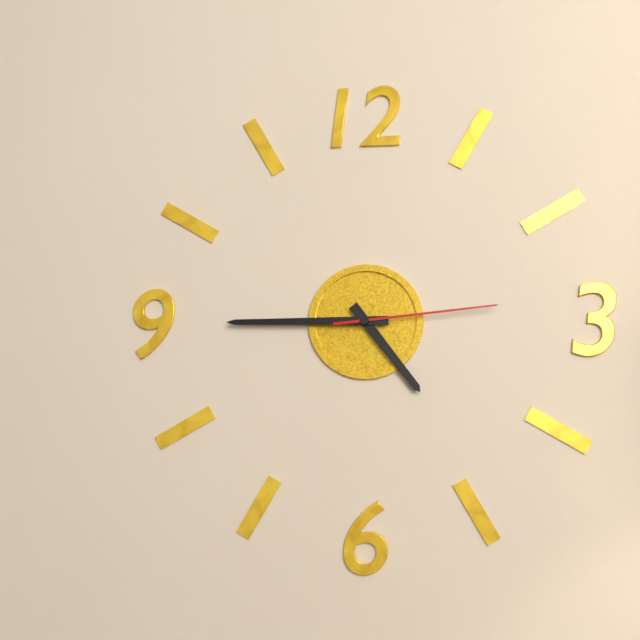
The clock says 4:45:14
